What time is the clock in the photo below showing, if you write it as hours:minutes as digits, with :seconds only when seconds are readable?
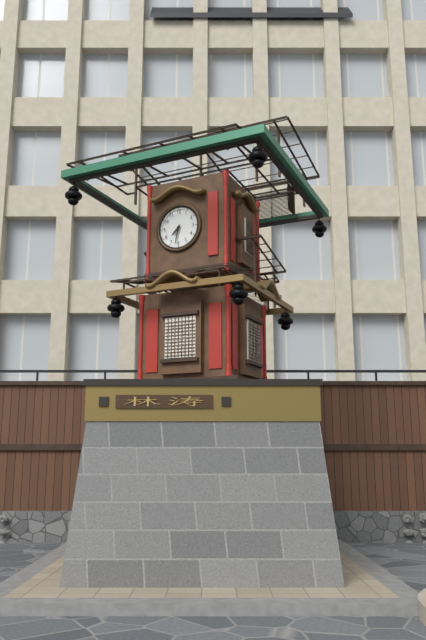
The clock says 7:32
